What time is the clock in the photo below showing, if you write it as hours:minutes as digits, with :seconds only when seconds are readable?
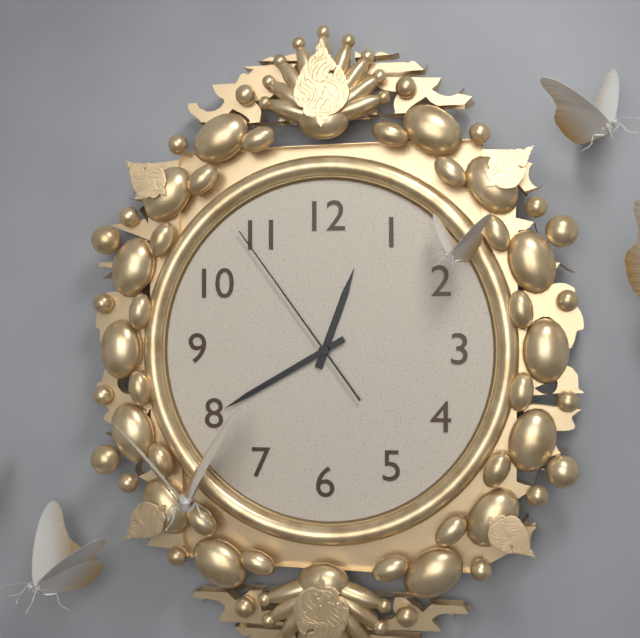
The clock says 12:40:54
